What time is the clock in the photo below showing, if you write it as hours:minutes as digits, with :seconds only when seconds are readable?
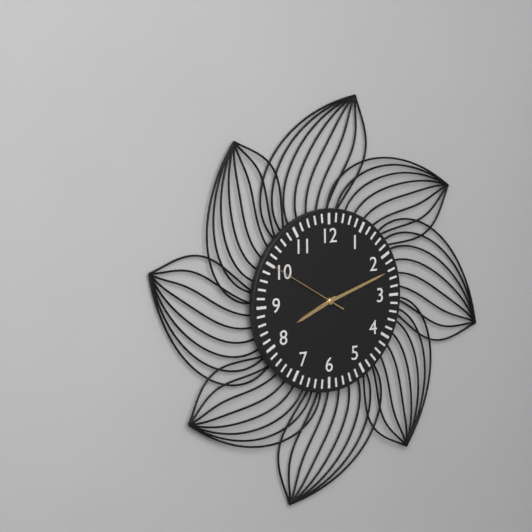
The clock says 8:12:50
